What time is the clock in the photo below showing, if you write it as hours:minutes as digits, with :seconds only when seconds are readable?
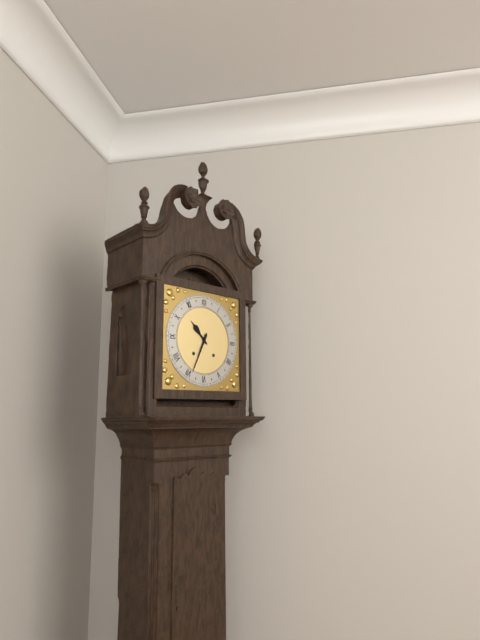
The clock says 10:34
